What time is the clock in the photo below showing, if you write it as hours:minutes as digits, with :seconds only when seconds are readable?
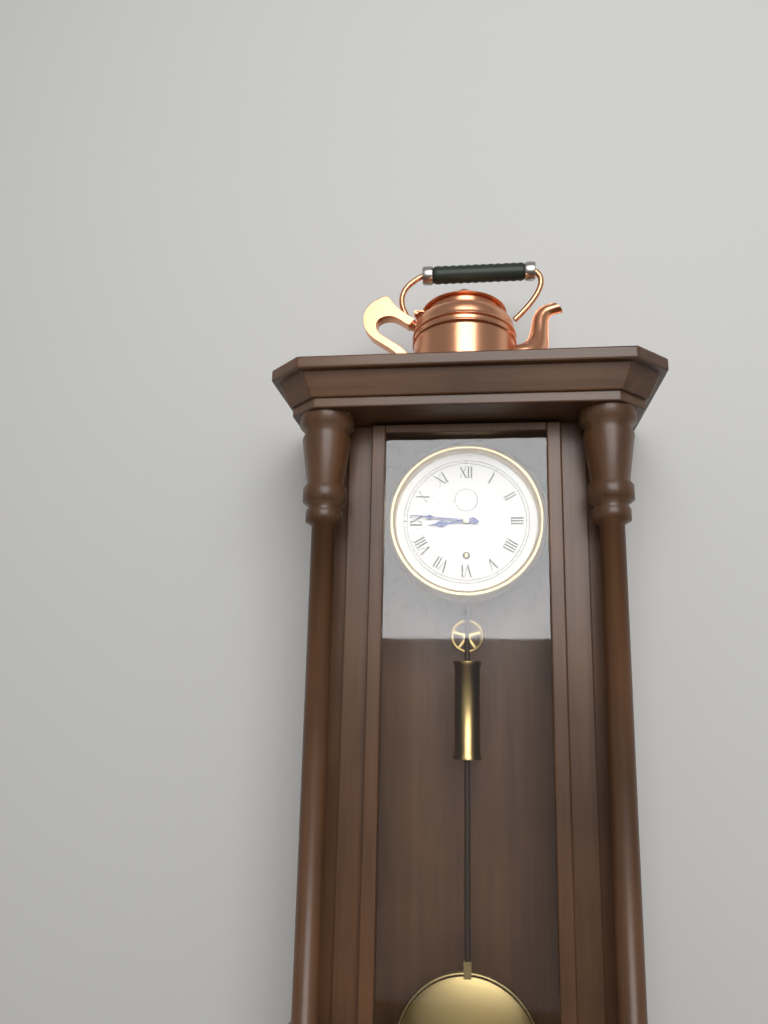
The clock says 8:46
